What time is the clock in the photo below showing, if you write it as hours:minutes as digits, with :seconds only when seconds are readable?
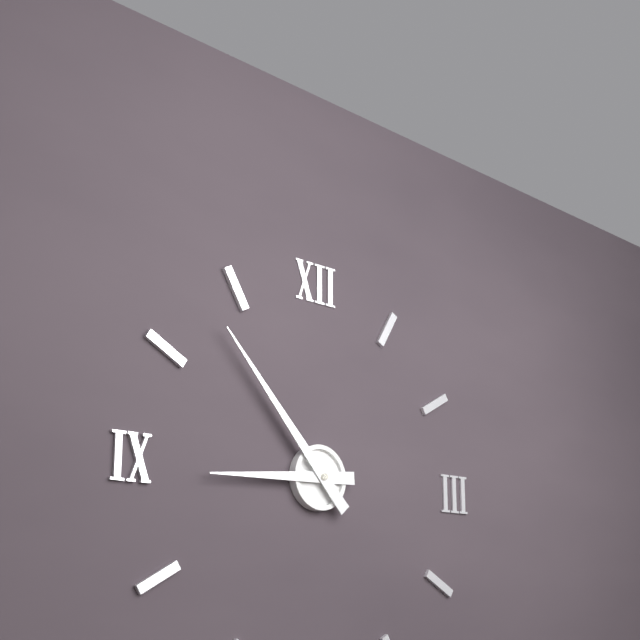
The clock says 8:53
